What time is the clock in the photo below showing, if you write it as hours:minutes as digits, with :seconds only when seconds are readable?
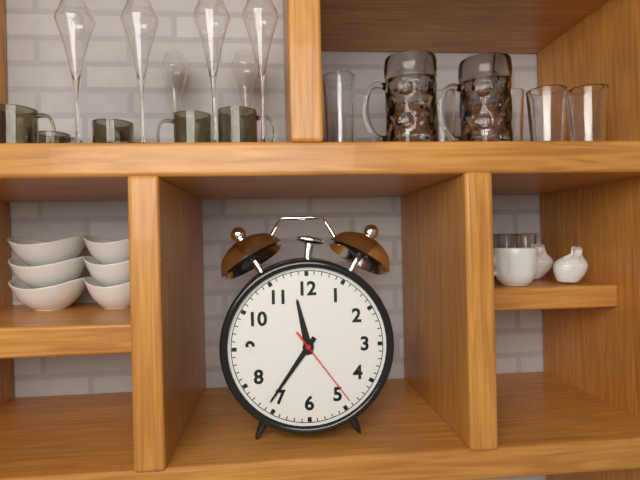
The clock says 11:36:24
